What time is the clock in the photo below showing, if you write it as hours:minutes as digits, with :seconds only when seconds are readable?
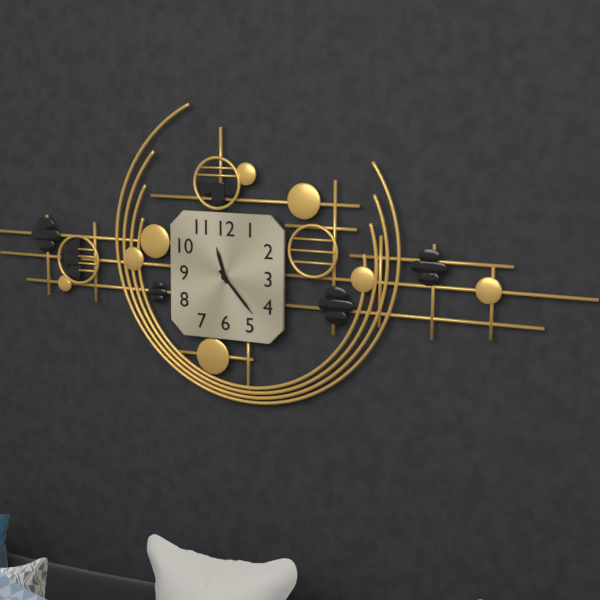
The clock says 11:23
